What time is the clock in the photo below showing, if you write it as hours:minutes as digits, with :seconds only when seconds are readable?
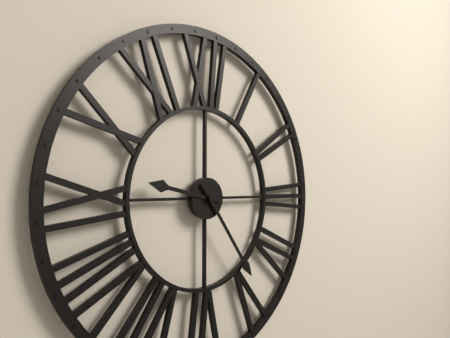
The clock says 9:24
